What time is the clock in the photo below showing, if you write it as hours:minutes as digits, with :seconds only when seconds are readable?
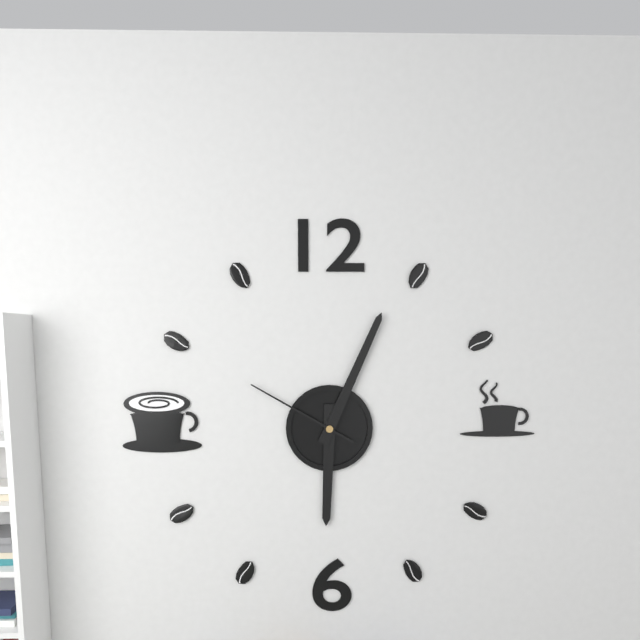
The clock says 6:04:50
